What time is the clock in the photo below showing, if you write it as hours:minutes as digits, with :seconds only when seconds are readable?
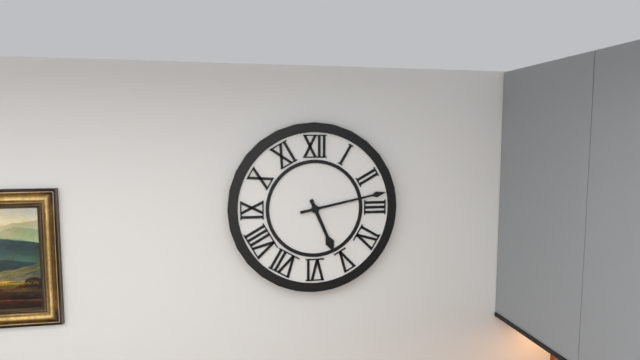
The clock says 5:13
